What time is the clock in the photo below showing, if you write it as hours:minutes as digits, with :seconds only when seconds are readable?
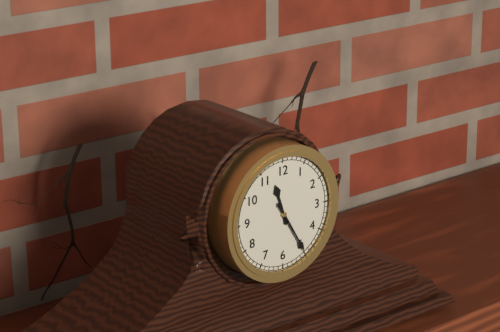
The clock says 11:25
